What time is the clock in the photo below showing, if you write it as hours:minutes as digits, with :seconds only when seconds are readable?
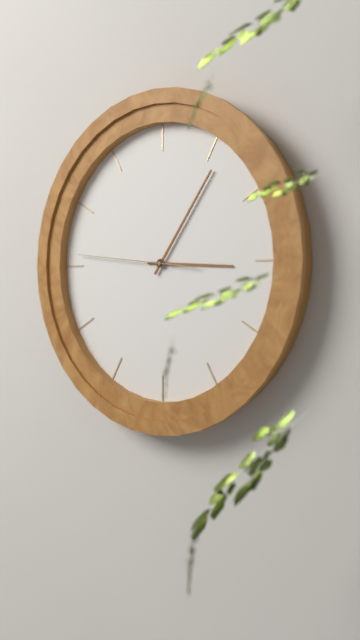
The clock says 3:06:46
